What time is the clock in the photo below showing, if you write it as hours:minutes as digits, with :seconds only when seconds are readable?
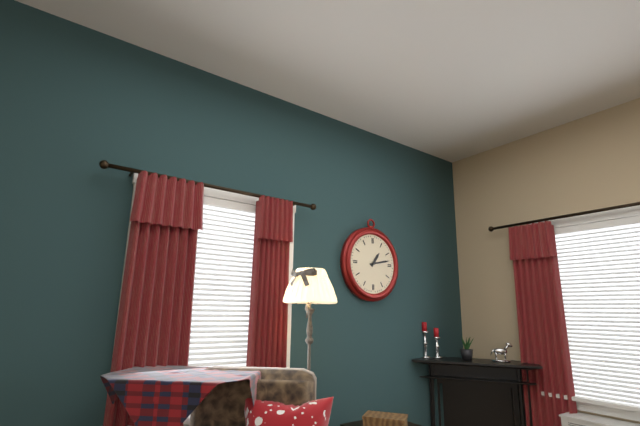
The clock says 1:13
